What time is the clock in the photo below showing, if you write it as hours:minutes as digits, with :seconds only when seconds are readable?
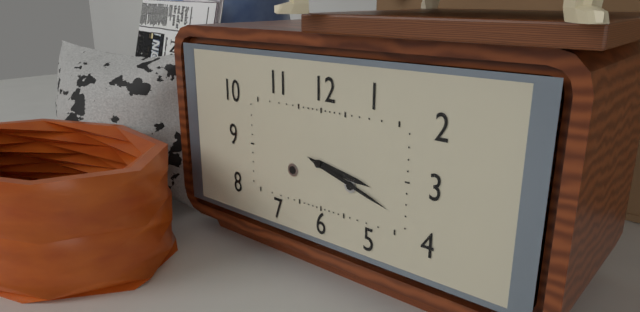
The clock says 3:18
